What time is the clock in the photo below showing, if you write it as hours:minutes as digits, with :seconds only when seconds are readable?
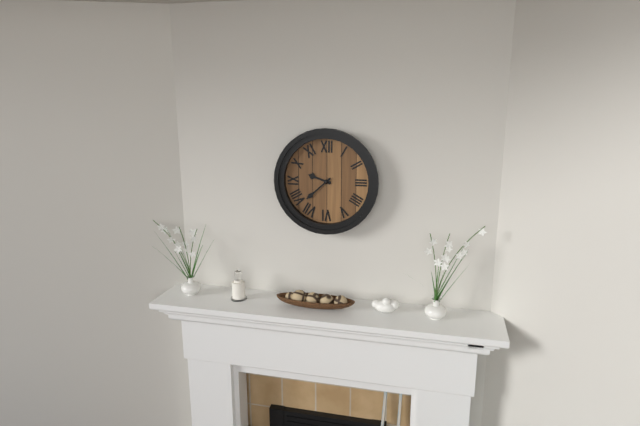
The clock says 9:38
